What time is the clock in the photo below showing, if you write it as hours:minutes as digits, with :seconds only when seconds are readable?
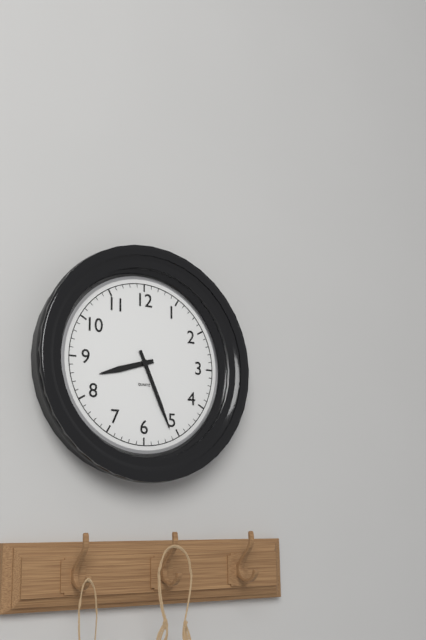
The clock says 8:26
